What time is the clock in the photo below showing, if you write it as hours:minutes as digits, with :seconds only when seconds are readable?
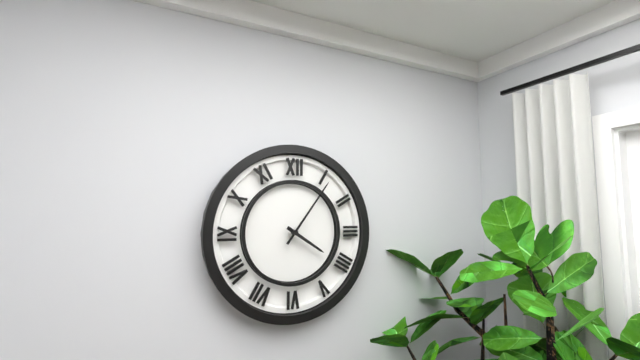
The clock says 4:06
